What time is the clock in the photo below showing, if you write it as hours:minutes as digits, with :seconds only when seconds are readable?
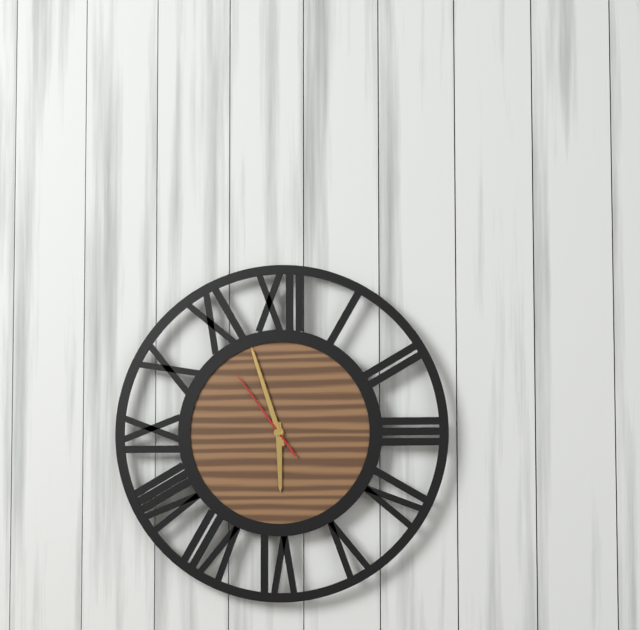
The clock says 5:57:54
